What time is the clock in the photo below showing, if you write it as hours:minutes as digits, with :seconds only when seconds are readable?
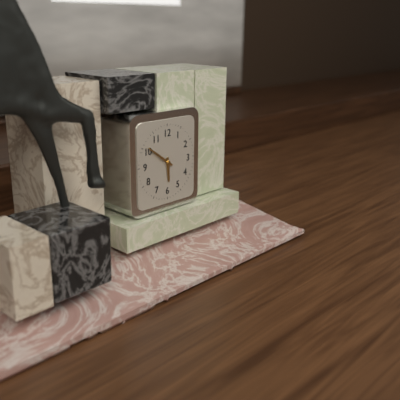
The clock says 5:51
